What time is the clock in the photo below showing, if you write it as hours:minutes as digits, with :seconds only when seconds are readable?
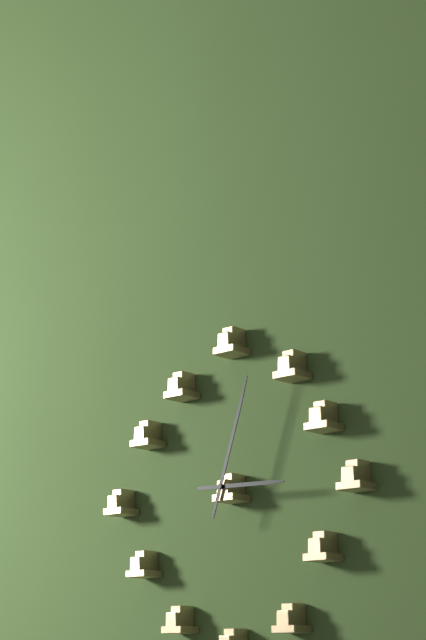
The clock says 3:03
